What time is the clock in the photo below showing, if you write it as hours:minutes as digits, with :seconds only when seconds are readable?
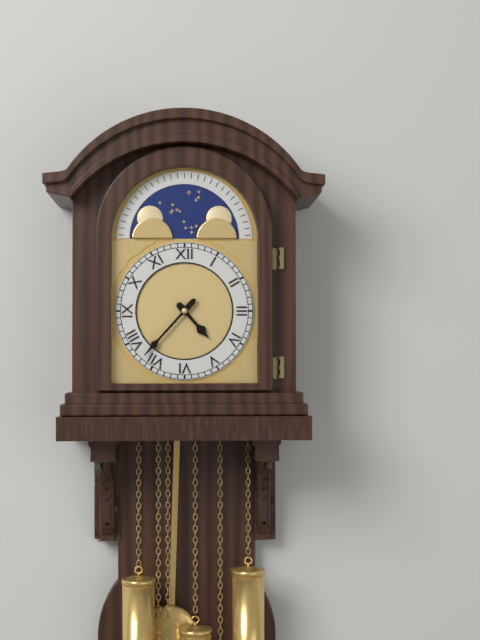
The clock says 4:37
